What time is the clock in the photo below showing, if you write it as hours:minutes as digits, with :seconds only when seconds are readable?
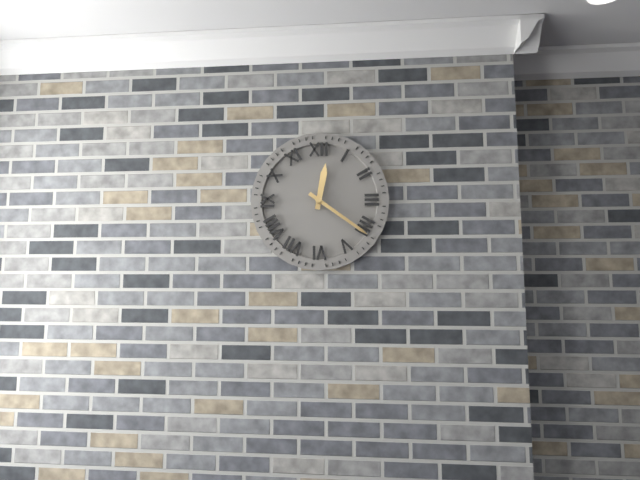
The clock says 12:21
